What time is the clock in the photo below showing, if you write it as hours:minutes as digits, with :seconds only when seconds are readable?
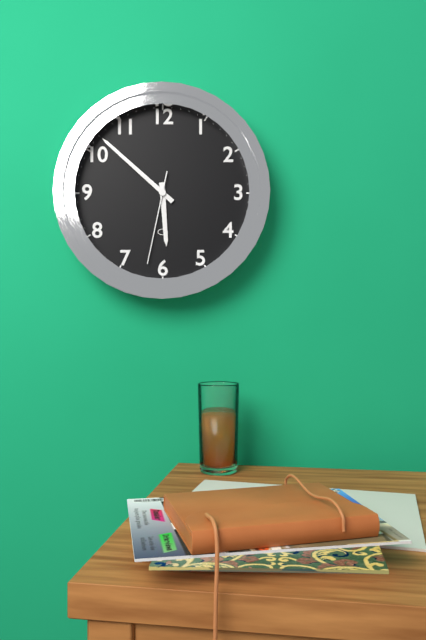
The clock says 5:52:32
